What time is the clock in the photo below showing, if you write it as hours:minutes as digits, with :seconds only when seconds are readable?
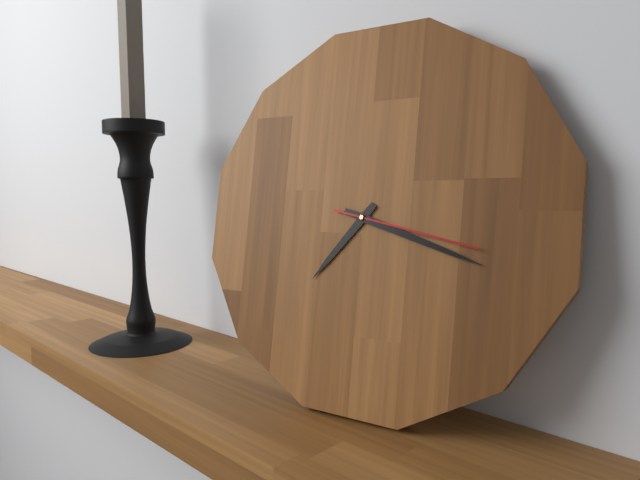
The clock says 7:18:17
